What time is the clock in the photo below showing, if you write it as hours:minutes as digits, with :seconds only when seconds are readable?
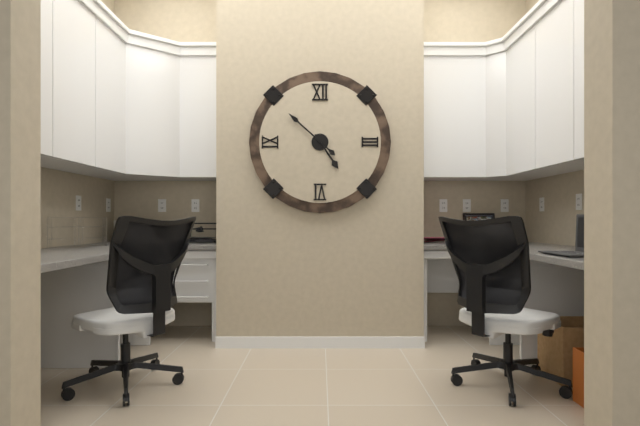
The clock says 4:52
